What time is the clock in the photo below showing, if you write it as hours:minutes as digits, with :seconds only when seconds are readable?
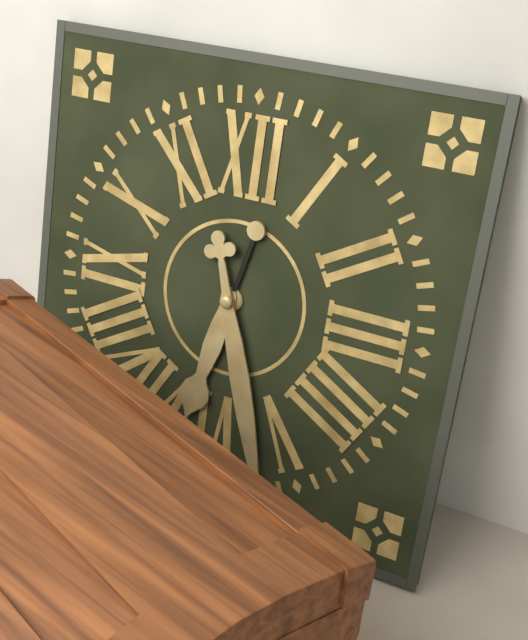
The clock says 6:27
